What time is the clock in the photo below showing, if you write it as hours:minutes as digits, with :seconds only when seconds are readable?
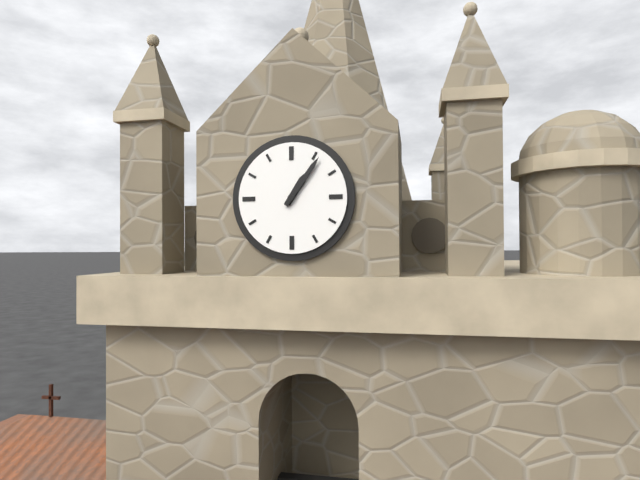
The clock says 1:06
